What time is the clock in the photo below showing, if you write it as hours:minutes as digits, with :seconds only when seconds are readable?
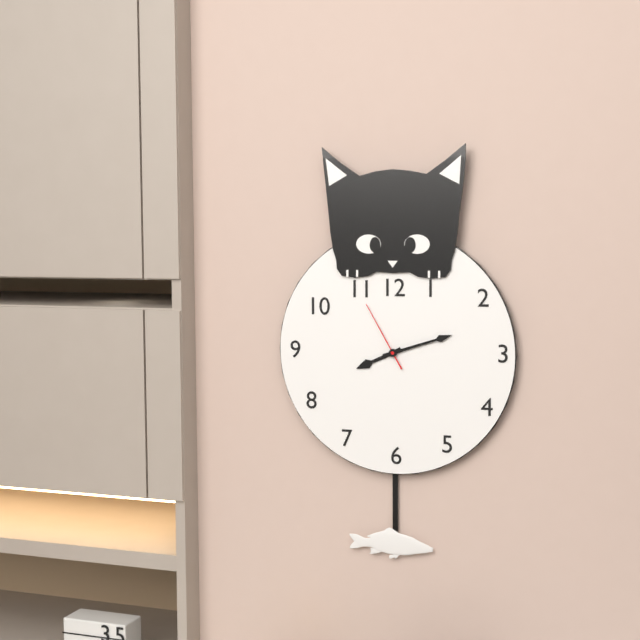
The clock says 8:12:55
